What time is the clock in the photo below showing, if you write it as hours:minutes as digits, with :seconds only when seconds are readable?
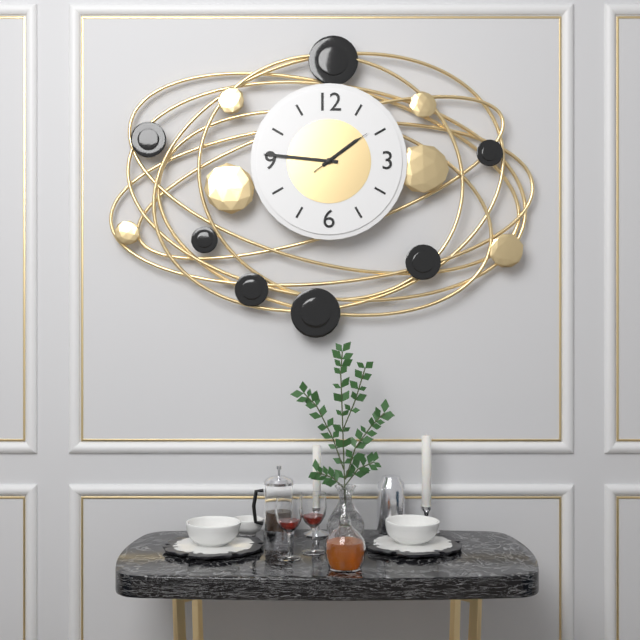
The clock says 1:46:09
